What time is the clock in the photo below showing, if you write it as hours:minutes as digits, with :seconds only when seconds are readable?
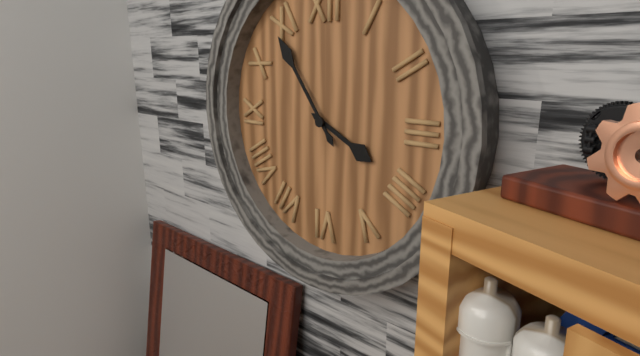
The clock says 3:54
